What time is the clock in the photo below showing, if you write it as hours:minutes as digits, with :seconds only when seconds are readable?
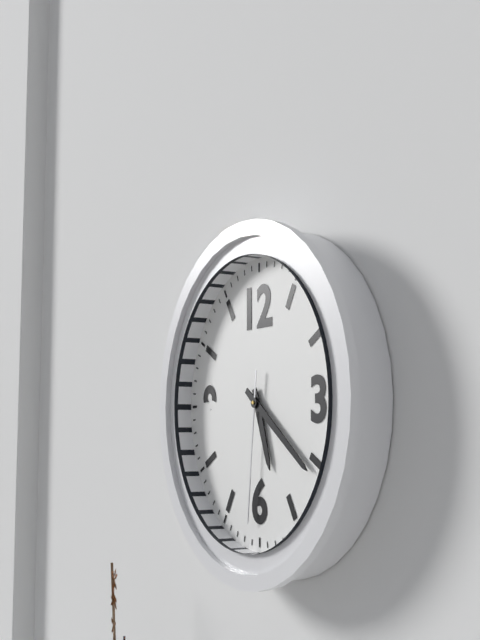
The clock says 5:21:31
